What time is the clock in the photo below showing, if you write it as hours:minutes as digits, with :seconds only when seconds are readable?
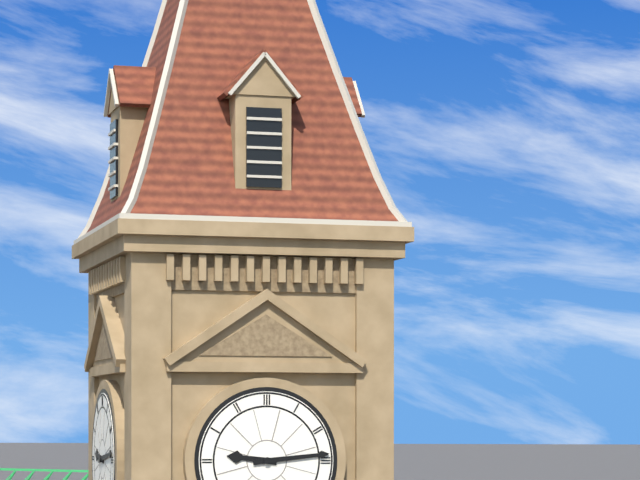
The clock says 9:14
